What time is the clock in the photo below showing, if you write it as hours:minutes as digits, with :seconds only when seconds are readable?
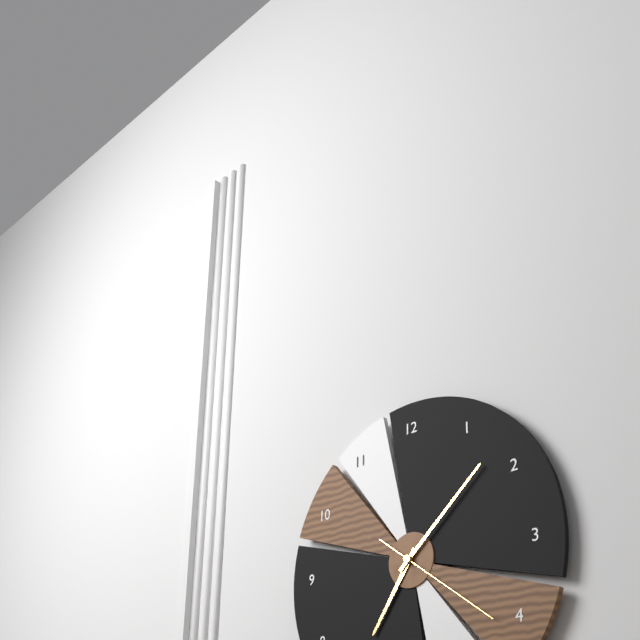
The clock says 7:08:21
